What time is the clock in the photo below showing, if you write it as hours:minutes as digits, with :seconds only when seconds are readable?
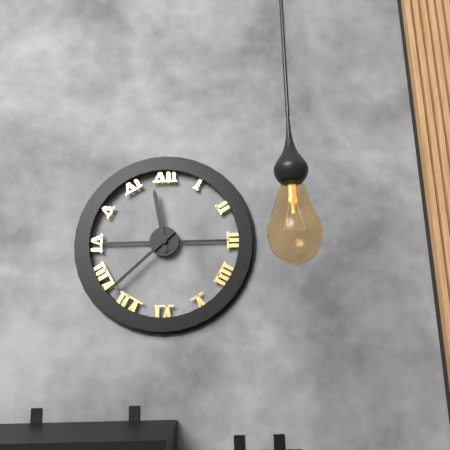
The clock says 11:38
